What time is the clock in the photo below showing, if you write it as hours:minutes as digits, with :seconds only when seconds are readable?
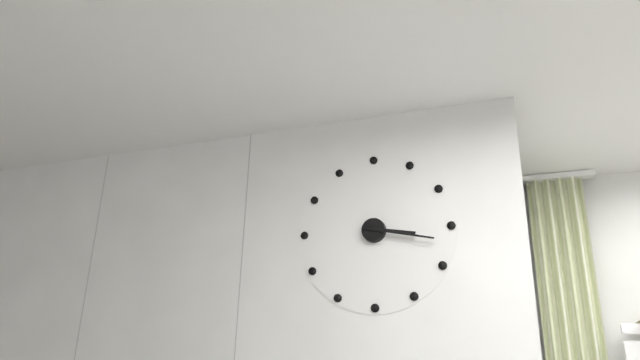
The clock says 3:17
